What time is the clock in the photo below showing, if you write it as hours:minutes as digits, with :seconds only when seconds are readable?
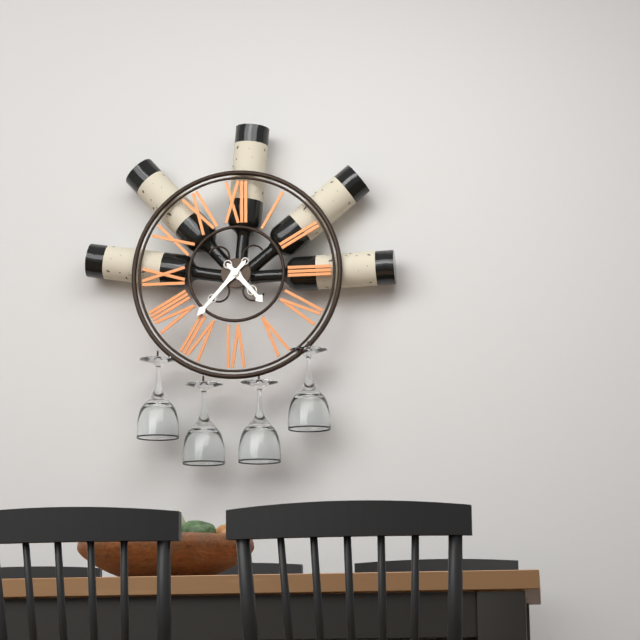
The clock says 4:37
